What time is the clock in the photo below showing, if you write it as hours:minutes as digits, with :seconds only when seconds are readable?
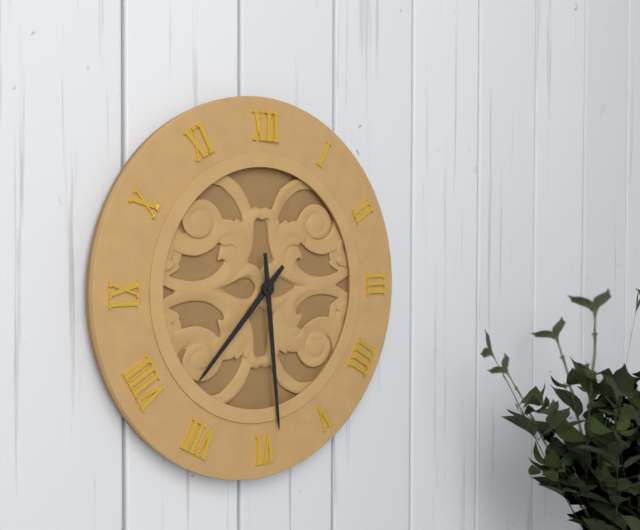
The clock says 7:29
